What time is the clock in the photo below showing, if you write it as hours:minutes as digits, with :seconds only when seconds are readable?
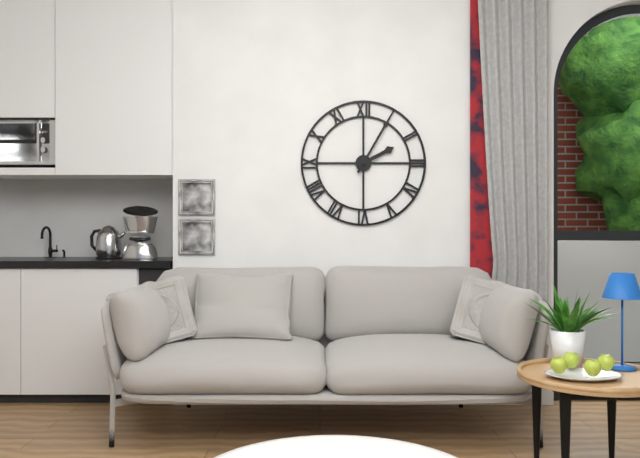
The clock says 2:05
